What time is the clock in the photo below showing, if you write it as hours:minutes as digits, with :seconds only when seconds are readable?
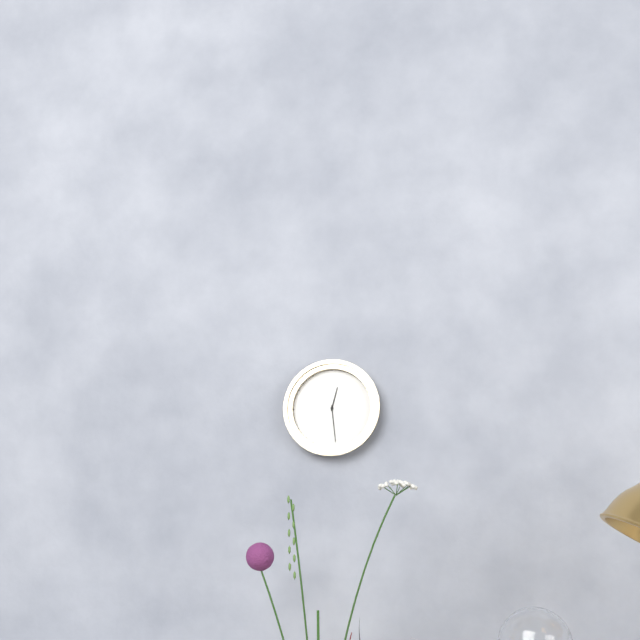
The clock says 12:29
